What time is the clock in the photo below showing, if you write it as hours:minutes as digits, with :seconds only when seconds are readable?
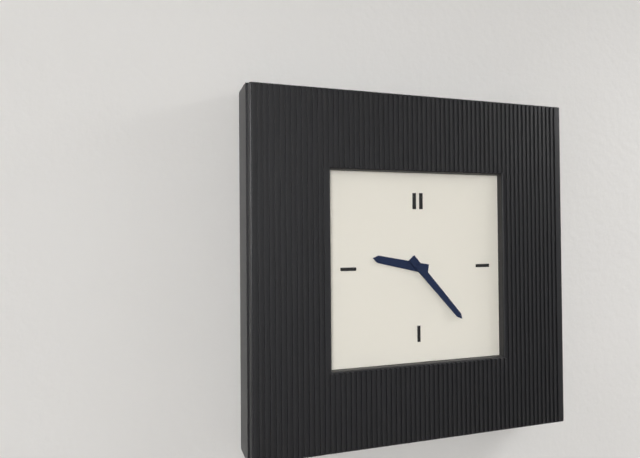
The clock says 9:23
